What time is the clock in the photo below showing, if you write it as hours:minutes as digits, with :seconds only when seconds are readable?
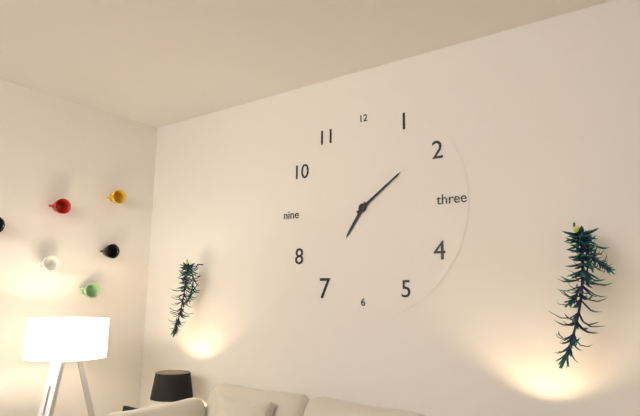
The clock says 7:09
